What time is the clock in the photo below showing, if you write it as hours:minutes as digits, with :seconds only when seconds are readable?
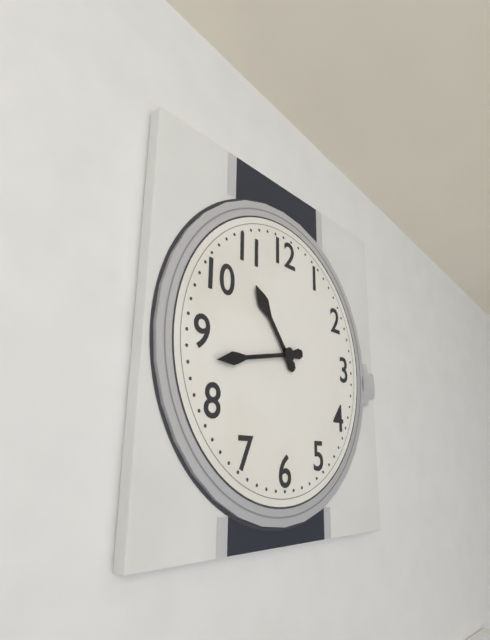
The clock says 10:43
